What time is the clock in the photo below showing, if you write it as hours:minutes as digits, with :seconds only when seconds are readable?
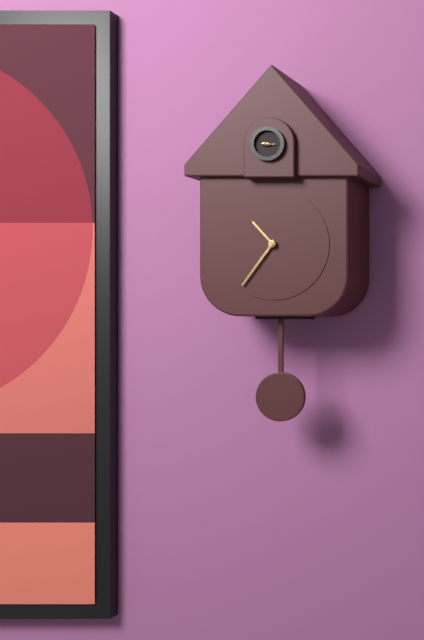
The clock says 10:36
